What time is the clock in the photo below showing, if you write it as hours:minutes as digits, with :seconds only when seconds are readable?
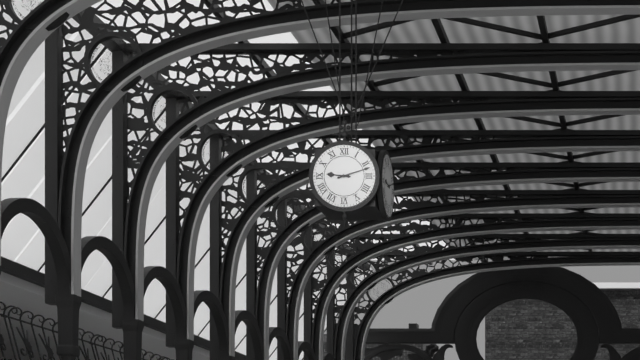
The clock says 9:12
